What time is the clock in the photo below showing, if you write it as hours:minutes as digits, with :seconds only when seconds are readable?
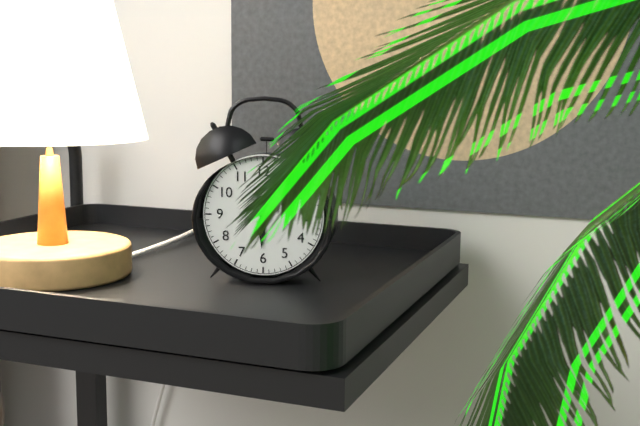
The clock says 6:05
